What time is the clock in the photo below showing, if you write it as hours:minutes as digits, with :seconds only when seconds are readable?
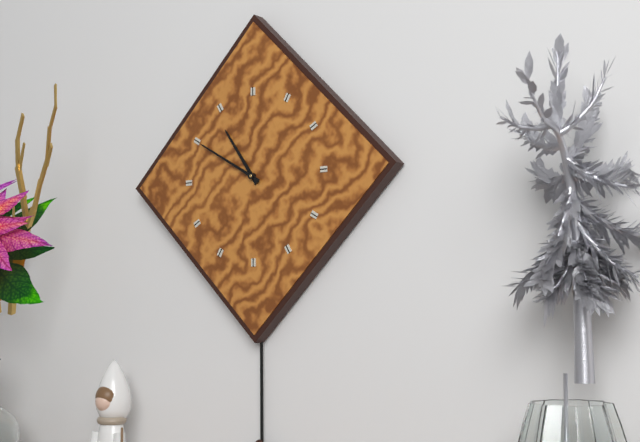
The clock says 10:50
